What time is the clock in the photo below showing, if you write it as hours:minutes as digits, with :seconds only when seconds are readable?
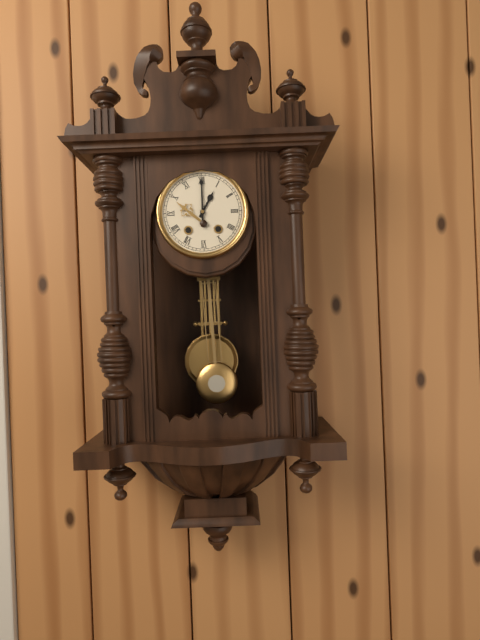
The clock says 1:00
